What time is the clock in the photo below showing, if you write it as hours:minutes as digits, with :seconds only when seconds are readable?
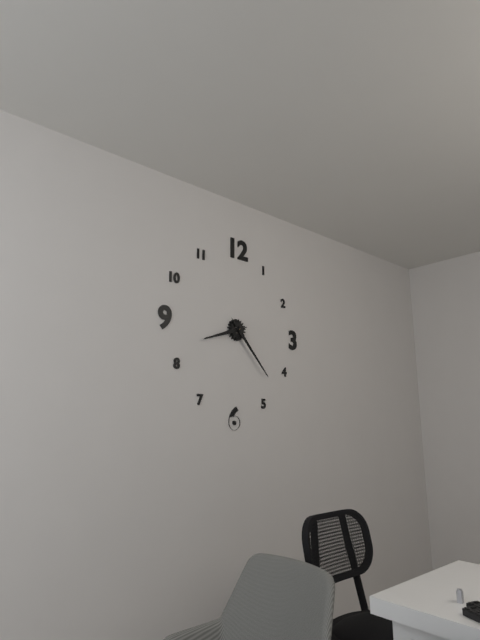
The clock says 8:23
